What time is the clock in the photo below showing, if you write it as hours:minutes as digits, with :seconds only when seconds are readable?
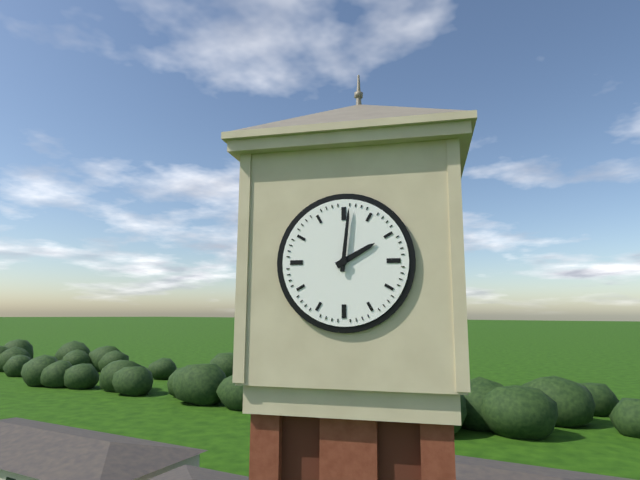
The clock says 2:01
